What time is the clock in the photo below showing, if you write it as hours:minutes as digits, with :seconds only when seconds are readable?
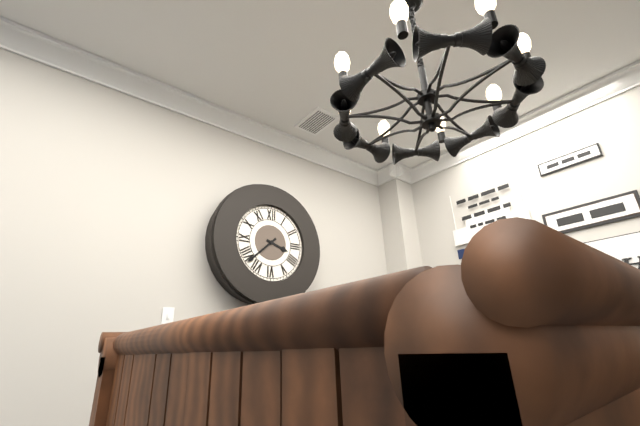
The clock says 3:38
